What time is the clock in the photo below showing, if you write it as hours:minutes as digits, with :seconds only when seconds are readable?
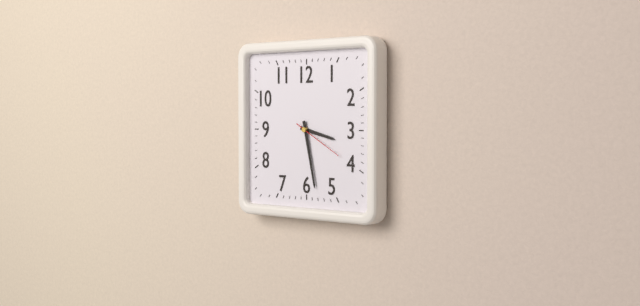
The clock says 3:28:20
